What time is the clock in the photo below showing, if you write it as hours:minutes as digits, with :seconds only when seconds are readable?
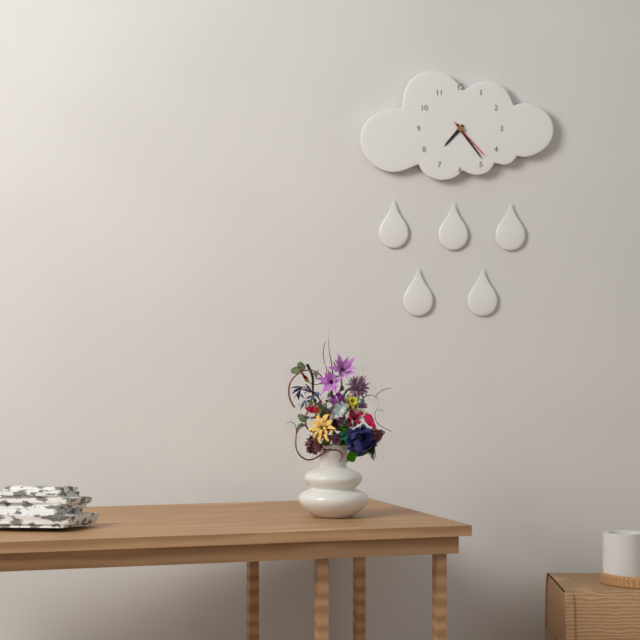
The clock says 7:24
